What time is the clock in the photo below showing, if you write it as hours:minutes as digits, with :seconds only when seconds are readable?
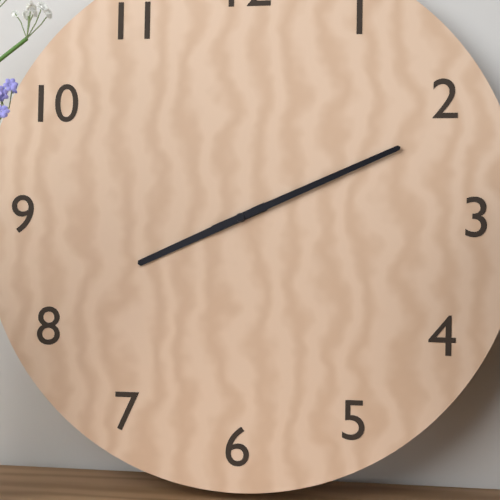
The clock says 8:11
